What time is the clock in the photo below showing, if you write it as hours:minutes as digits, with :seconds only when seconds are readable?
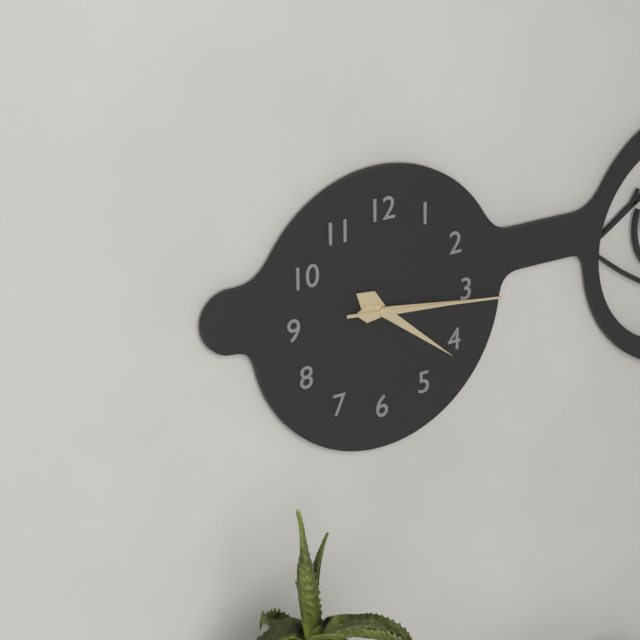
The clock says 4:16:16
